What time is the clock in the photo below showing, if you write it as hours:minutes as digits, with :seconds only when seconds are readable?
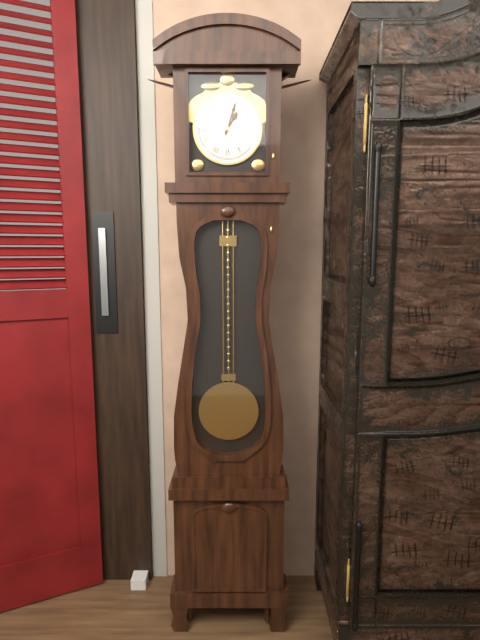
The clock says 1:03
